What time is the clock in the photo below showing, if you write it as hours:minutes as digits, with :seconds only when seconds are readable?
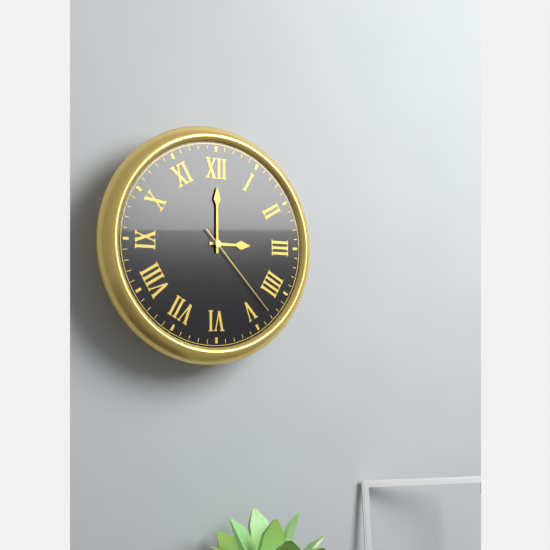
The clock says 3:00:23
